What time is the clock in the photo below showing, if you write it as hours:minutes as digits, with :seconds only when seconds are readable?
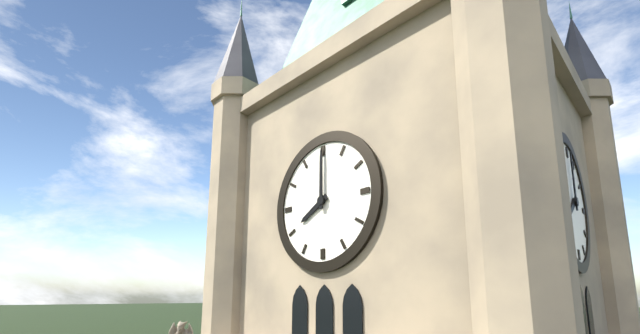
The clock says 8:00
